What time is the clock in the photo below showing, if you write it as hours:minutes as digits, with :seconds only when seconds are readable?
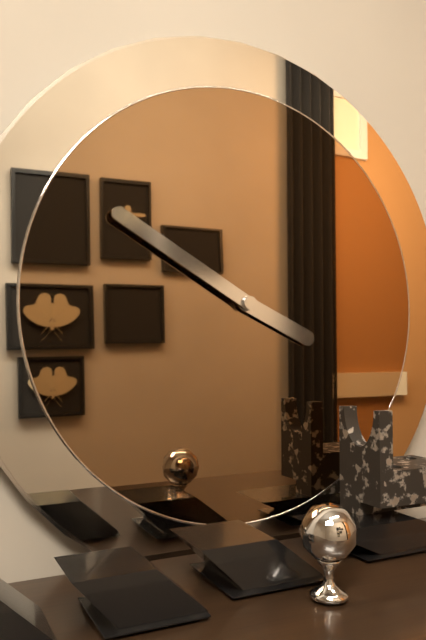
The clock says 3:50
